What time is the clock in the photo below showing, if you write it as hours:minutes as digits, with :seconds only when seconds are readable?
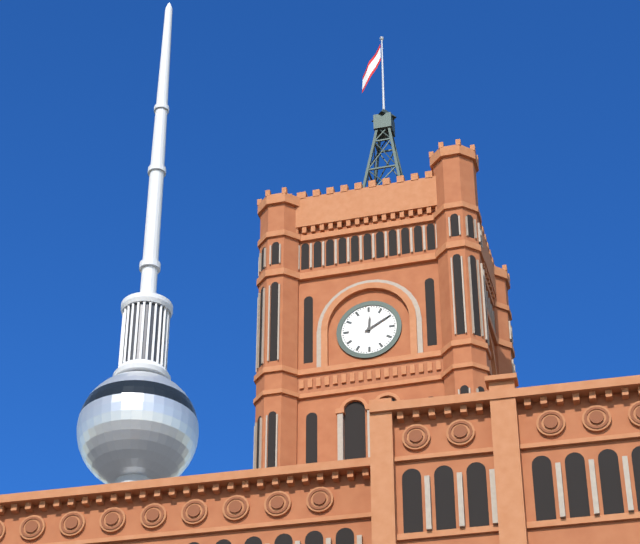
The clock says 12:10
